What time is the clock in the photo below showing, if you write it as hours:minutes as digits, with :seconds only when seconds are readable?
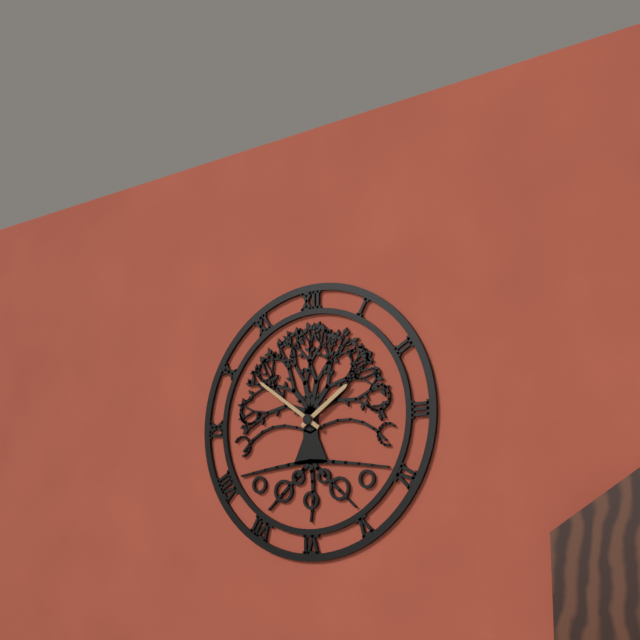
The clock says 1:51
